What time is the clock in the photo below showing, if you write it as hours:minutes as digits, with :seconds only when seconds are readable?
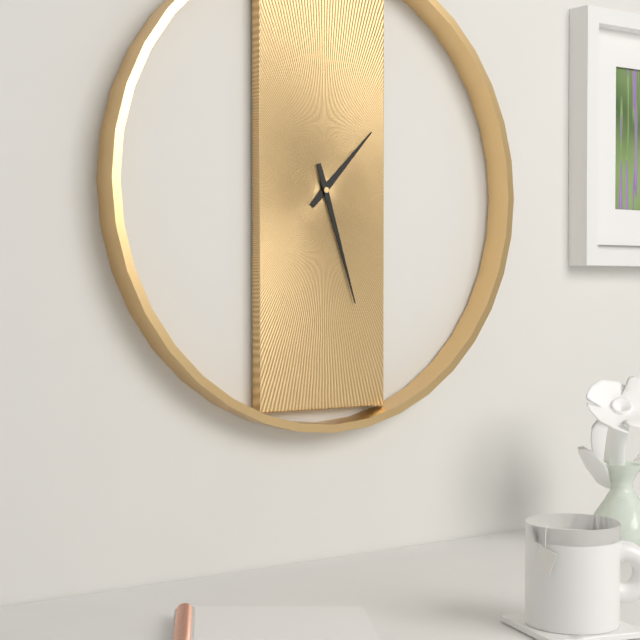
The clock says 1:27
